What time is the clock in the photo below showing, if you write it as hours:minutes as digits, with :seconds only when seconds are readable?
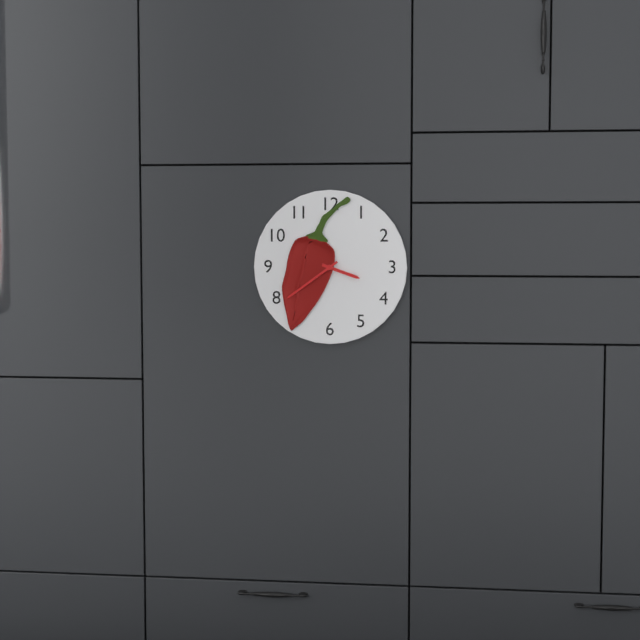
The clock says 3:39
